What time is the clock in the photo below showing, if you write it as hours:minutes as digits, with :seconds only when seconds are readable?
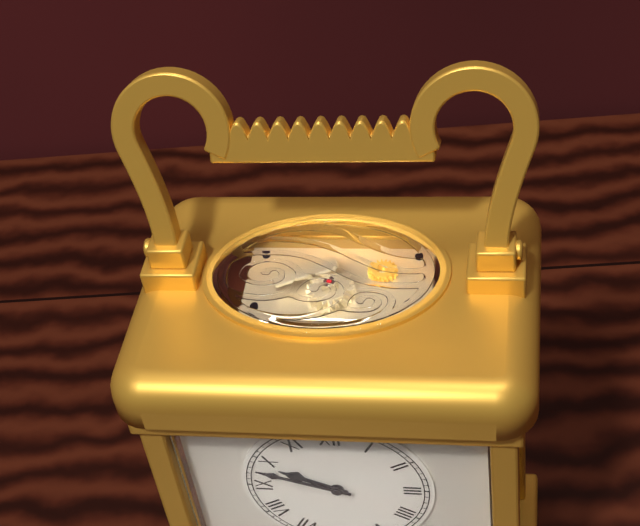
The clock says 9:48
